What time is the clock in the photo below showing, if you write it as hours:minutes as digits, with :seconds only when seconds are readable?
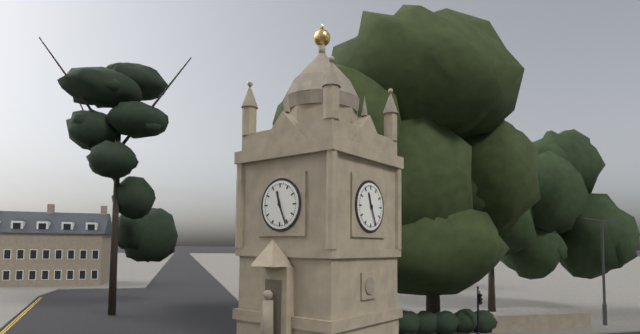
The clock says 11:26
